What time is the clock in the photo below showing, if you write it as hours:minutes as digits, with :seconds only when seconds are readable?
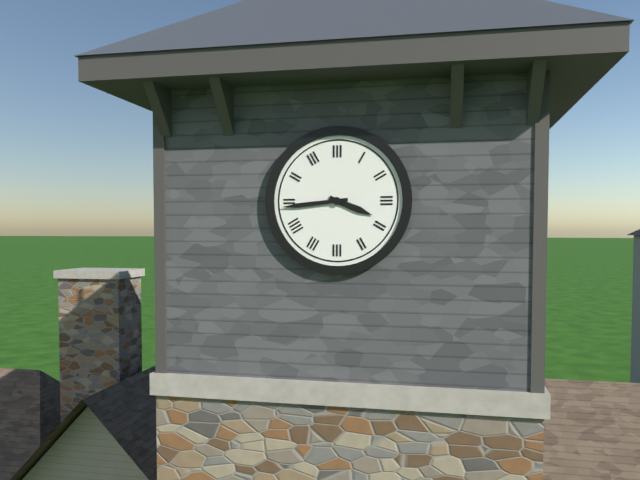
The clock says 3:44
